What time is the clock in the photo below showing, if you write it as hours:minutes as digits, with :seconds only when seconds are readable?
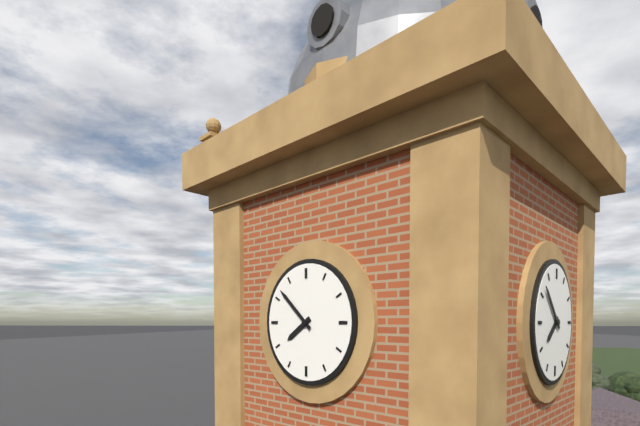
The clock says 7:52
